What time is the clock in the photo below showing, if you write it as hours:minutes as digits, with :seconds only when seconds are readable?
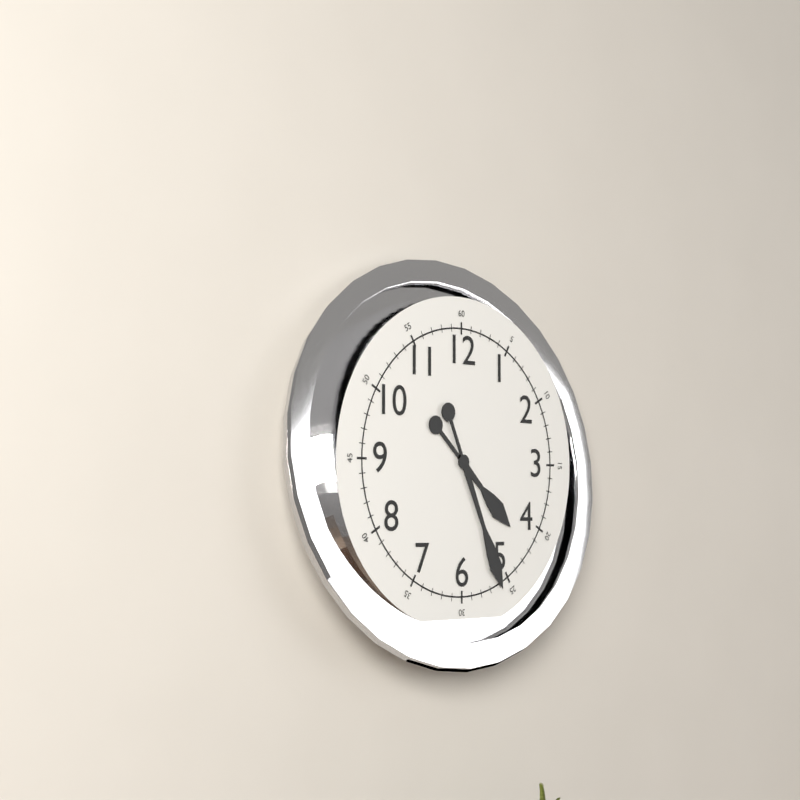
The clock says 4:26
